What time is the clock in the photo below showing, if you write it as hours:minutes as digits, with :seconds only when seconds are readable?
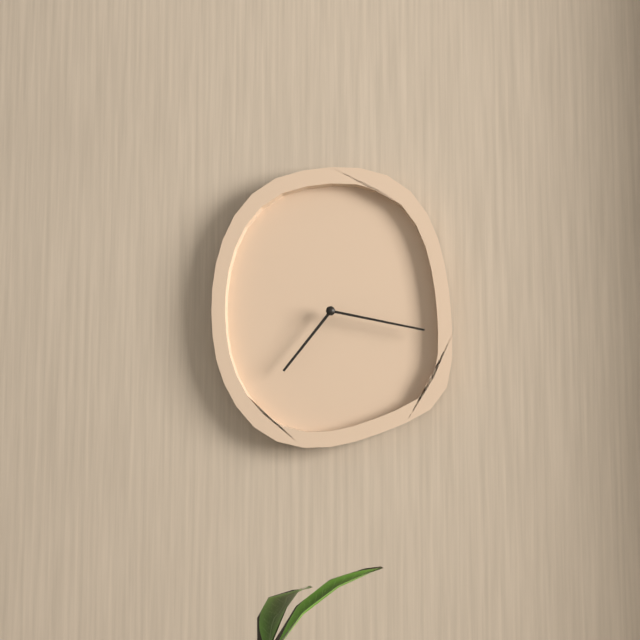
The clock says 7:17
